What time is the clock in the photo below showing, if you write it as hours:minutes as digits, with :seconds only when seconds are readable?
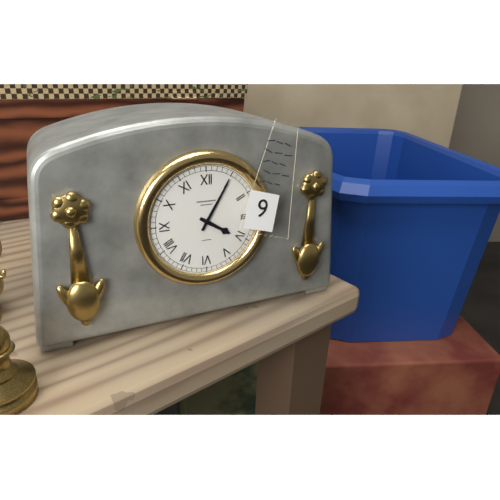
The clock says 4:05
